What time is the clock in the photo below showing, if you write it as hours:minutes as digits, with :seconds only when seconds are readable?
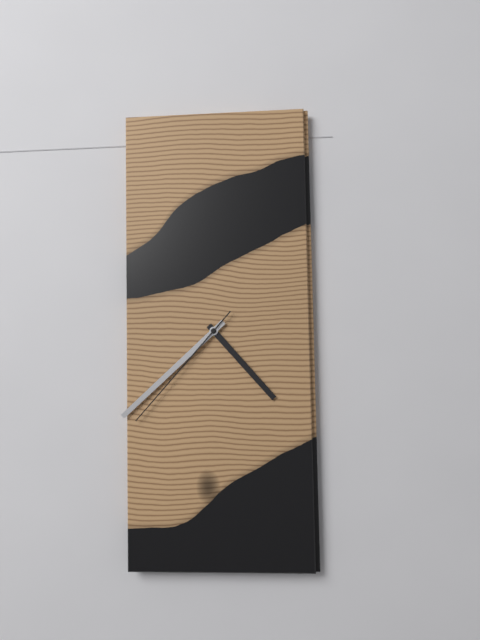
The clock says 4:38:37
